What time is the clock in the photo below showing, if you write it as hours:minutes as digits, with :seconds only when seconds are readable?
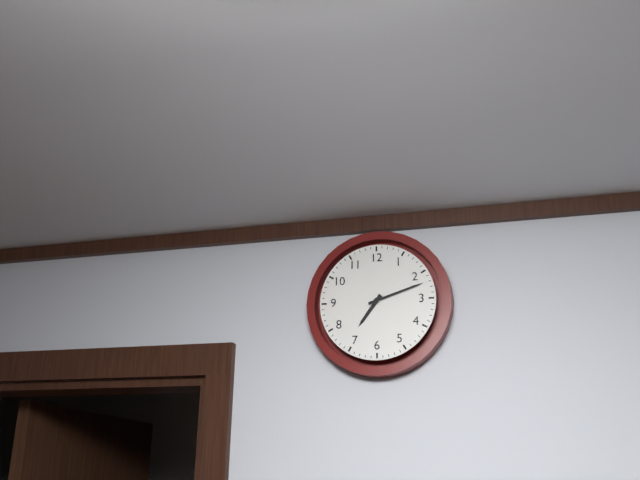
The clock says 7:12
